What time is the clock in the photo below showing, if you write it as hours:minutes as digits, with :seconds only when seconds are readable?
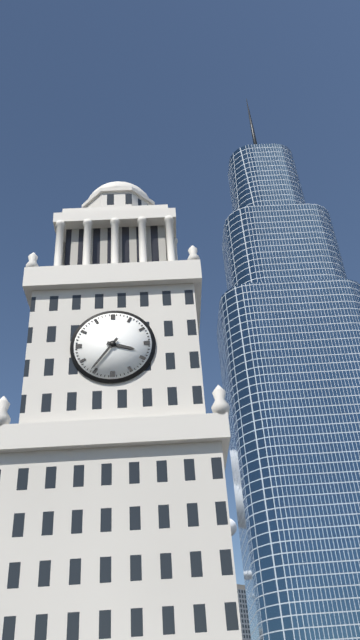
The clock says 3:36
